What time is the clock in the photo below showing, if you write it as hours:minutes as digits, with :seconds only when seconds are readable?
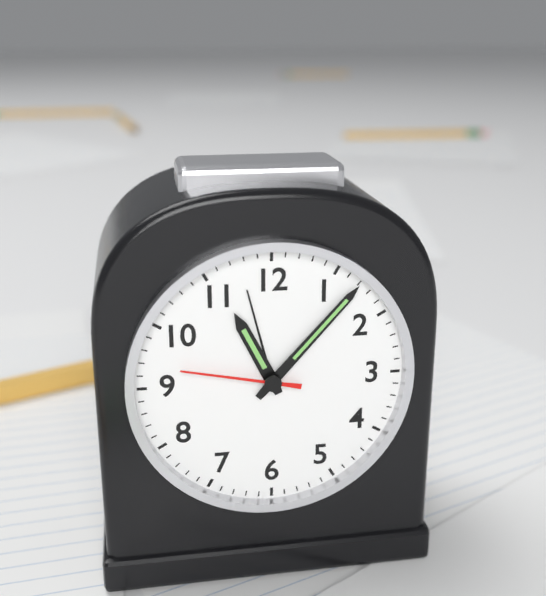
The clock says 11:07:47
